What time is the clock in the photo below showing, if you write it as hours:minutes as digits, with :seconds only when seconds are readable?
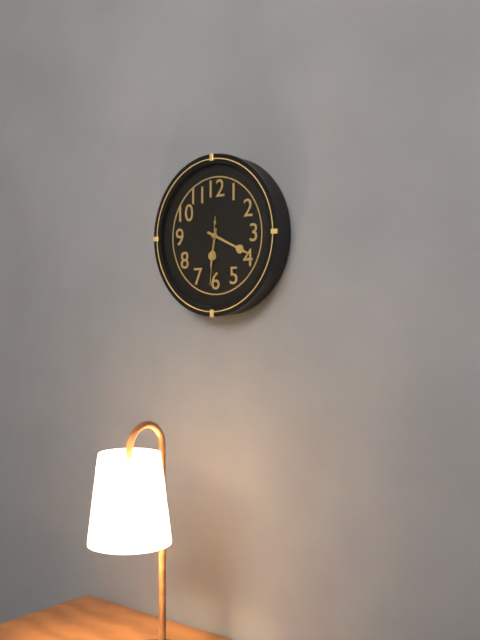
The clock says 6:19:31
